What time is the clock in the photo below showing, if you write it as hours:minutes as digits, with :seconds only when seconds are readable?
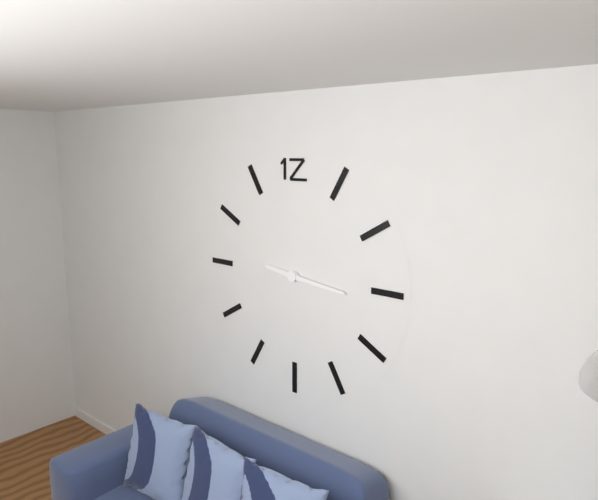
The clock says 9:16
